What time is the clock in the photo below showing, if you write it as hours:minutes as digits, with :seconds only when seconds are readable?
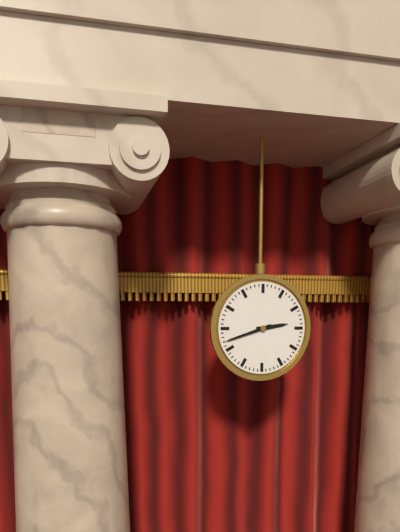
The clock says 2:42
